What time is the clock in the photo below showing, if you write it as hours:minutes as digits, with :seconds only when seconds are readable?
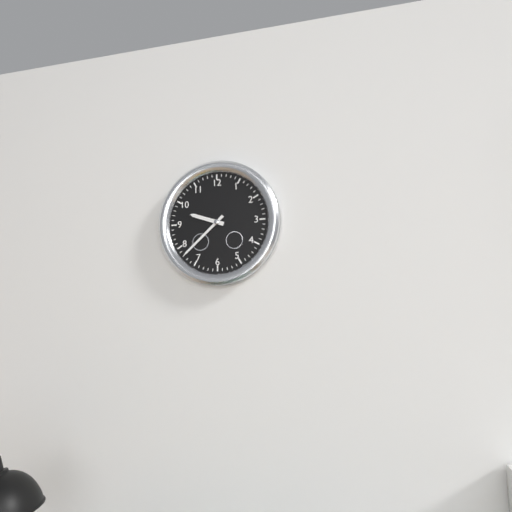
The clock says 9:38
